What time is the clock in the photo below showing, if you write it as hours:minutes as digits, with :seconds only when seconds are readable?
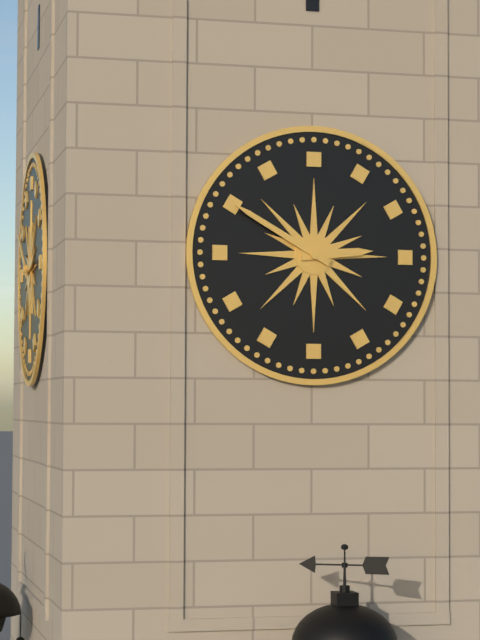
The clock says 2:50
